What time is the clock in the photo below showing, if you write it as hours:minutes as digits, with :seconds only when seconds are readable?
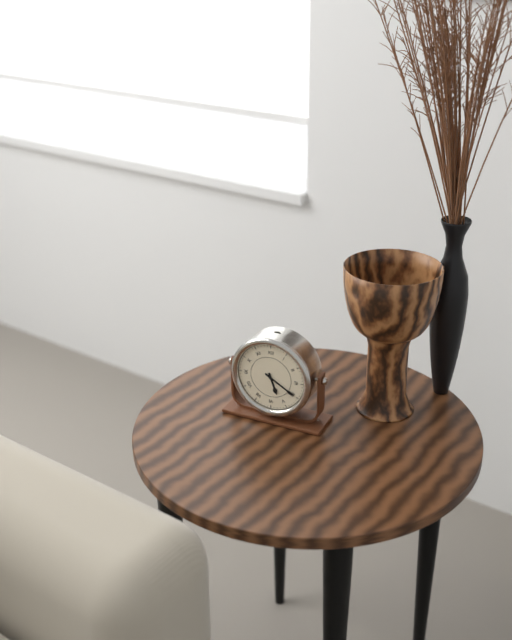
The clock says 5:20
